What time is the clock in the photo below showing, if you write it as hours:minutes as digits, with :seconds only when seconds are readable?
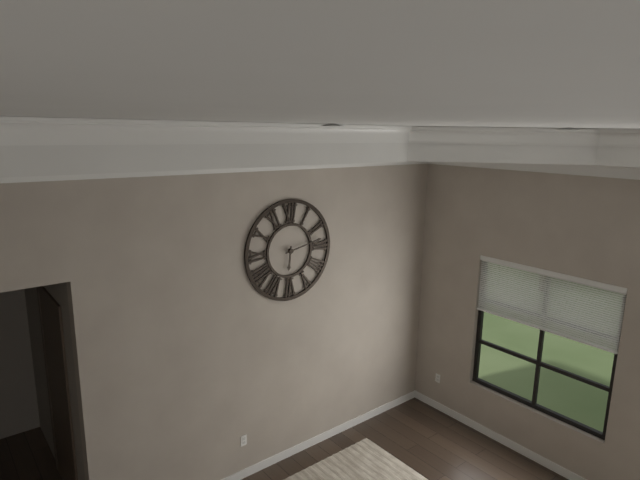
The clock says 6:13
